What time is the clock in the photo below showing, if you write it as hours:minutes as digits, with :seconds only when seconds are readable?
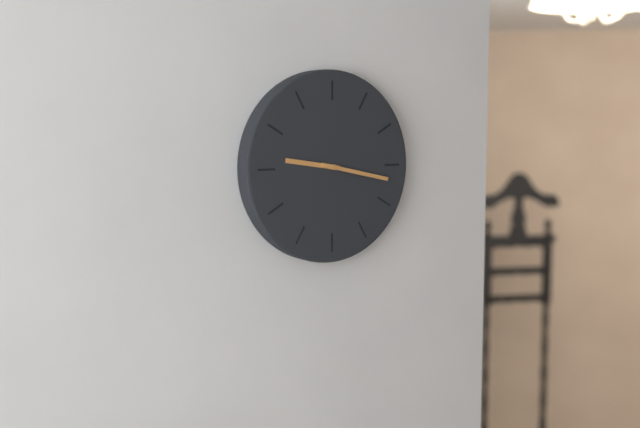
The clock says 9:17
